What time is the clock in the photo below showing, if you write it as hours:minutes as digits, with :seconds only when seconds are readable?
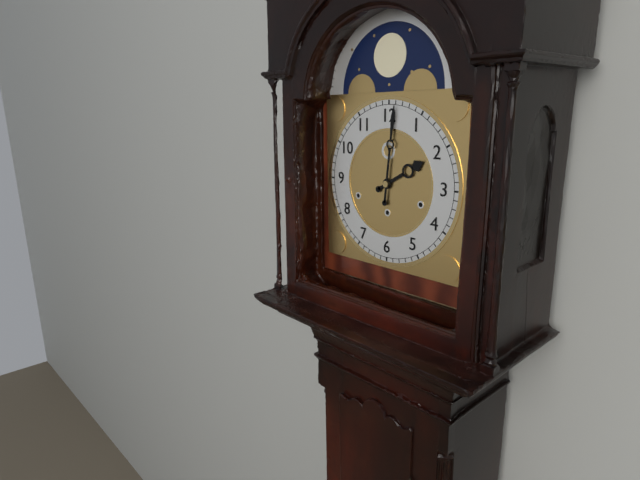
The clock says 2:01
